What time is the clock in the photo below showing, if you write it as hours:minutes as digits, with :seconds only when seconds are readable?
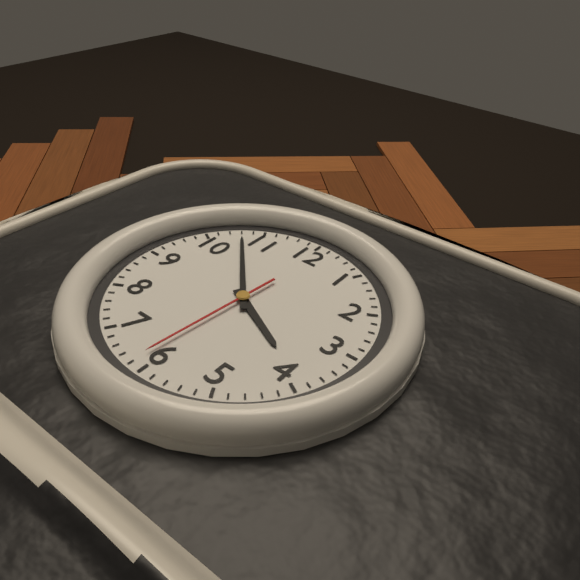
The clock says 3:53:31
